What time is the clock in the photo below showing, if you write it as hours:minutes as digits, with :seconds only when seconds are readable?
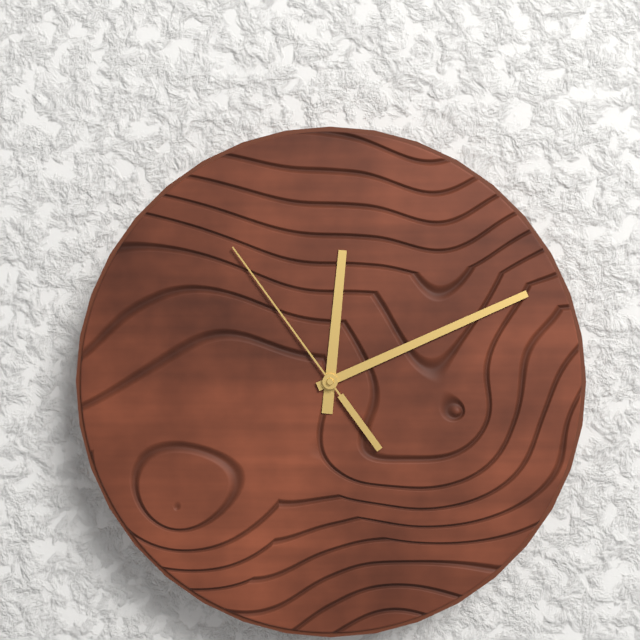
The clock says 12:11:54
